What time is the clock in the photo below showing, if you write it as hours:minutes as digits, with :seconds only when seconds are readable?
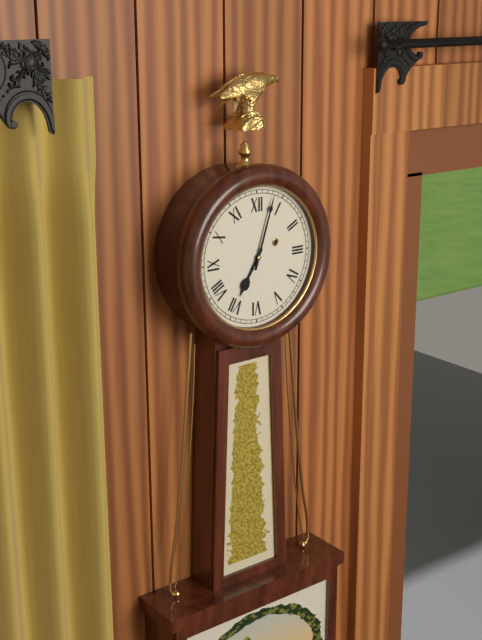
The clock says 7:03
